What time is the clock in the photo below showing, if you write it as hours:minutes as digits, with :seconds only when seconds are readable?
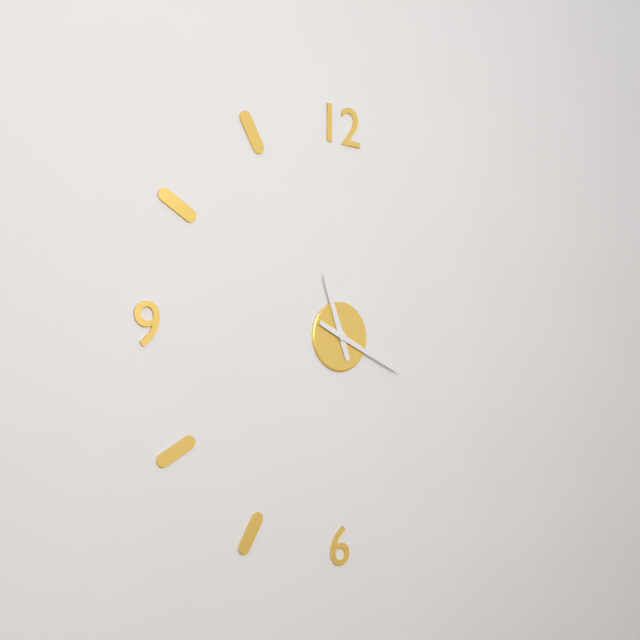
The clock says 11:19
